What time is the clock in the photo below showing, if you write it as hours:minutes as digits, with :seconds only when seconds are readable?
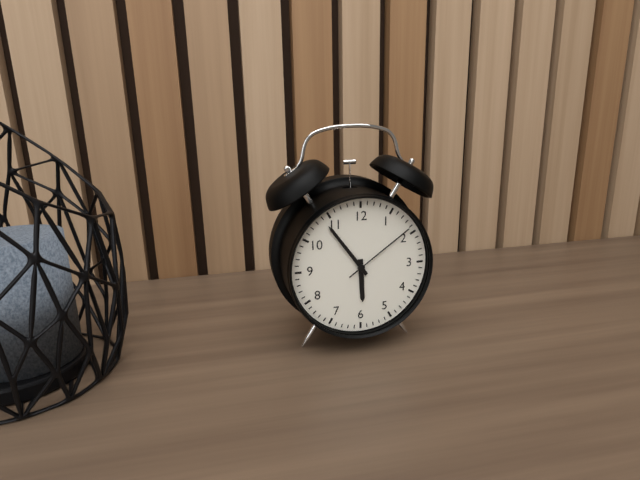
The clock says 5:54:09
